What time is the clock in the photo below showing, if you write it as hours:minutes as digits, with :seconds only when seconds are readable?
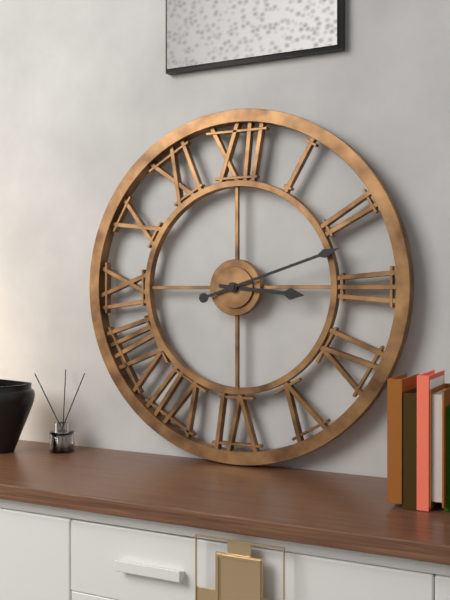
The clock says 3:12
